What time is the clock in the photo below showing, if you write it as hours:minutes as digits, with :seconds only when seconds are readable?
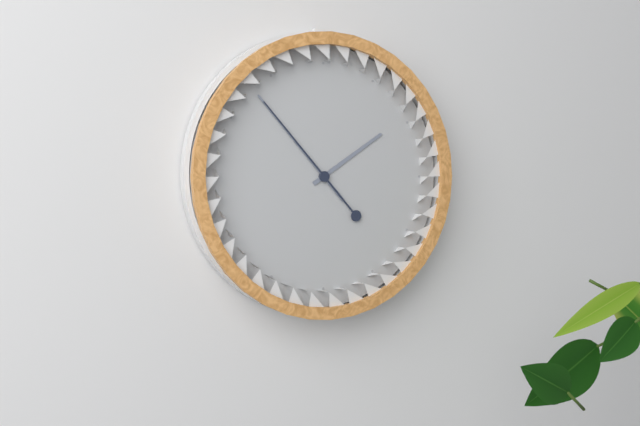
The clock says 1:53:53
